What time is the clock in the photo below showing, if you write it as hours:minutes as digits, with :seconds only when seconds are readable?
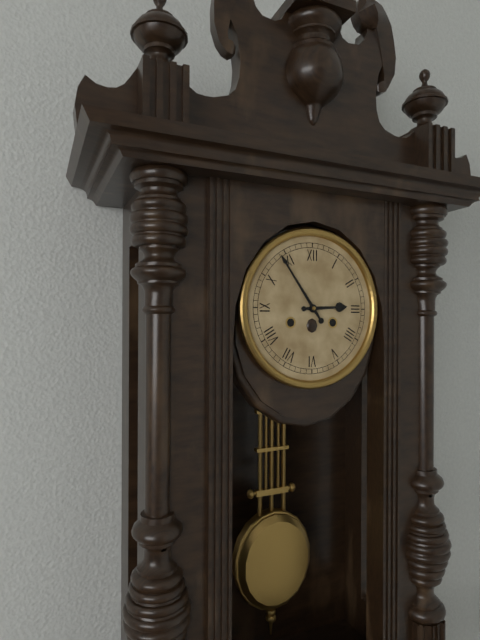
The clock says 2:54
